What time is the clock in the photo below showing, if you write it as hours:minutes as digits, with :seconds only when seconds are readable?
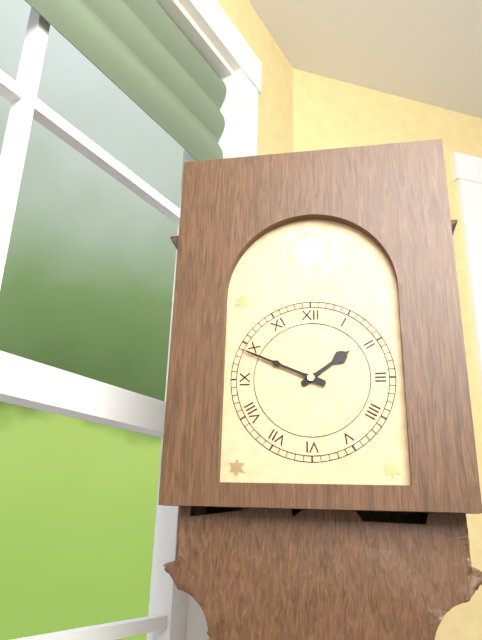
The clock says 1:49
